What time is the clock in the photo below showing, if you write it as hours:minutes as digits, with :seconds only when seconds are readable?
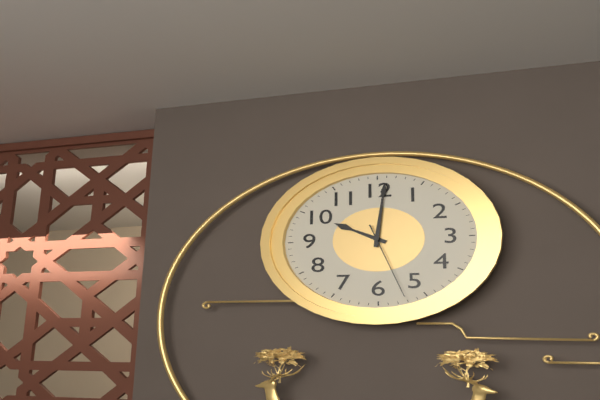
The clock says 10:01:27
